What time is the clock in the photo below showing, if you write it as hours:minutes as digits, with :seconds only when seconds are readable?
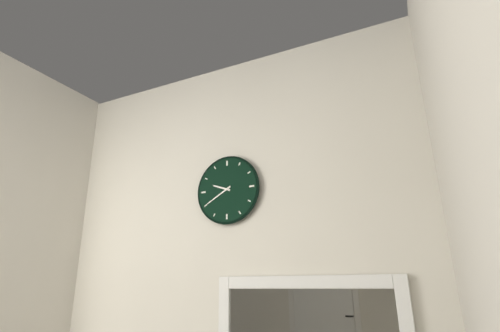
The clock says 9:40
